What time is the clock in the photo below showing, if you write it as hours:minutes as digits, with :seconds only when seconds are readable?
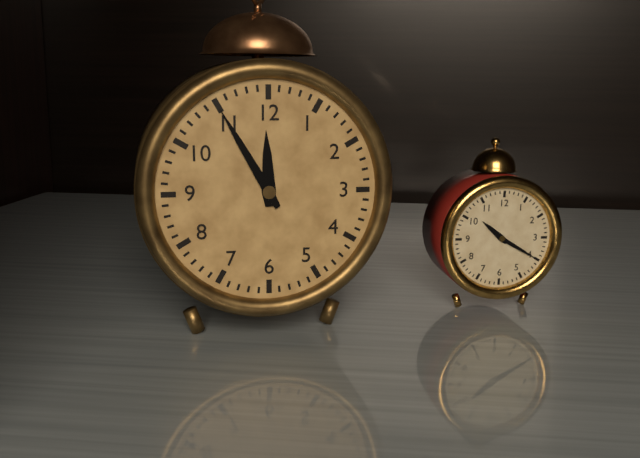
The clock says 11:55
